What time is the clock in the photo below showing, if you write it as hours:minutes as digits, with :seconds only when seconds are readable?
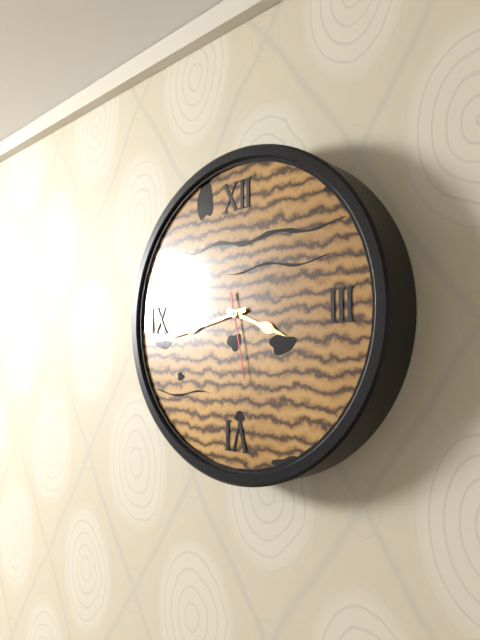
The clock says 3:43:28
